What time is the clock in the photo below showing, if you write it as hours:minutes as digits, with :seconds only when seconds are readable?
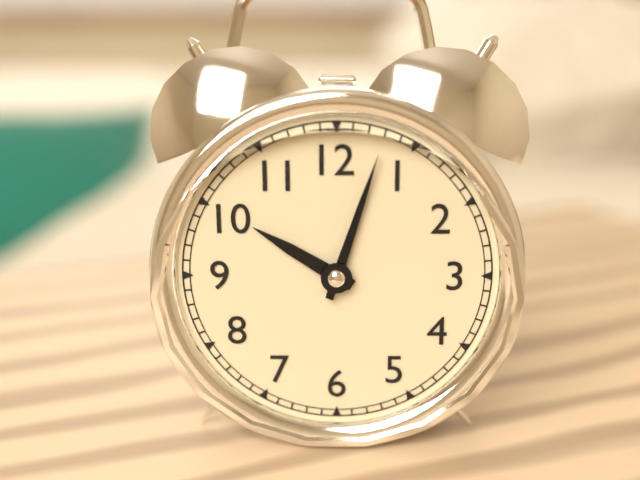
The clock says 10:03
